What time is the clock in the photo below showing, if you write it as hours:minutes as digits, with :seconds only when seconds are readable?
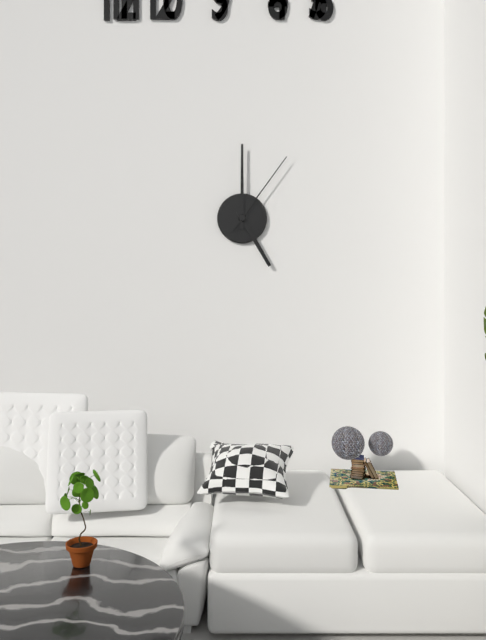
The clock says 5:00:06
